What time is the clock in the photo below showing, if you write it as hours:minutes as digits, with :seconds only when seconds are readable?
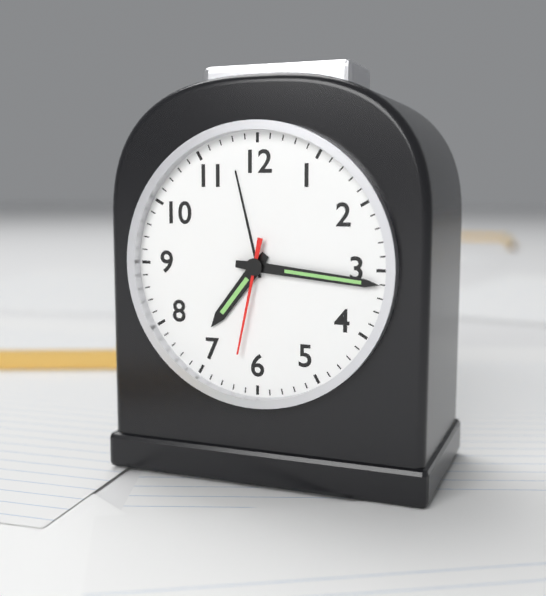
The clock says 7:16:32
